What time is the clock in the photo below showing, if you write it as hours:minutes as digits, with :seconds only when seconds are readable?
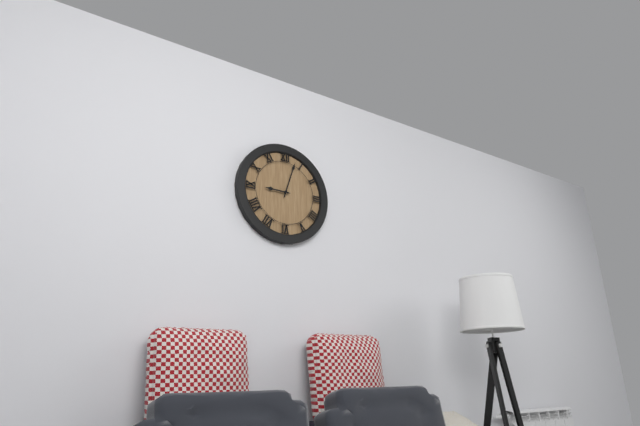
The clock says 9:03
